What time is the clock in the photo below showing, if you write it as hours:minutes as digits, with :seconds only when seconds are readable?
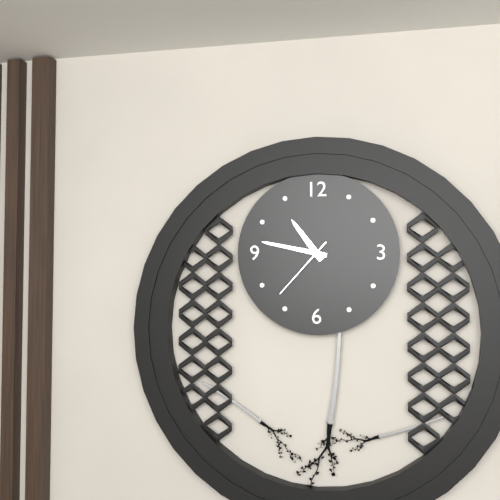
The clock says 10:47:37
